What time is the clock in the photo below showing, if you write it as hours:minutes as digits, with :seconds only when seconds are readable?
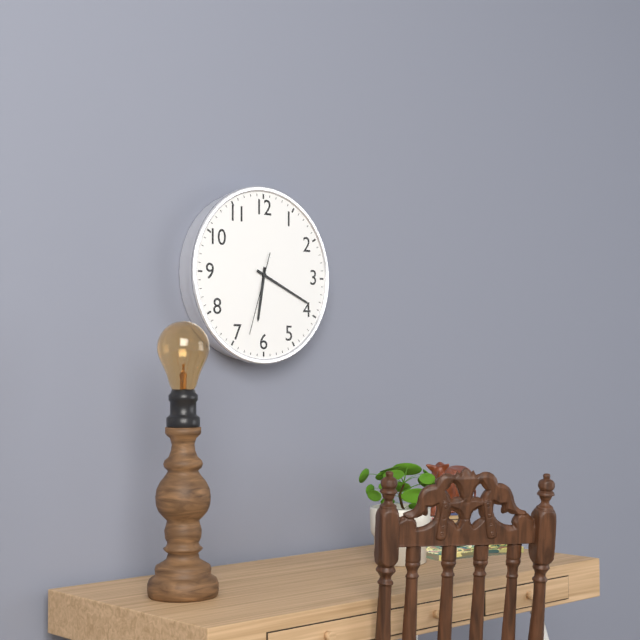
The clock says 6:19:33
